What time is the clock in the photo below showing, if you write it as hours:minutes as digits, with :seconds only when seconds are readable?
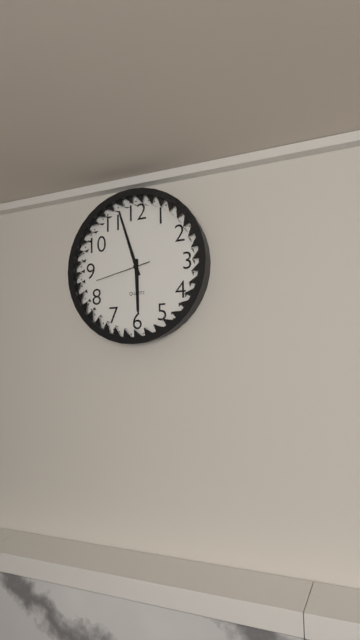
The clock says 5:57:43
